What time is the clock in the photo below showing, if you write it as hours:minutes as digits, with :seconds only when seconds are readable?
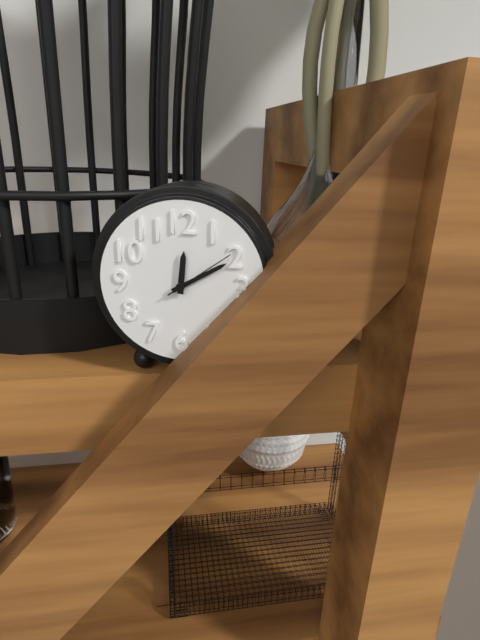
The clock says 12:10:09
